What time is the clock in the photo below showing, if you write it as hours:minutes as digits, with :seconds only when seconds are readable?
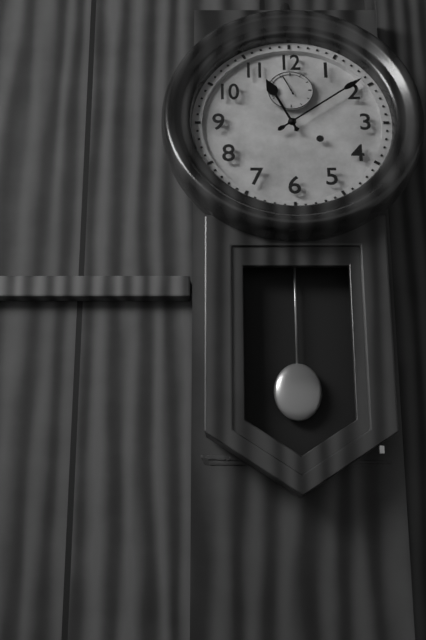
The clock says 11:09
